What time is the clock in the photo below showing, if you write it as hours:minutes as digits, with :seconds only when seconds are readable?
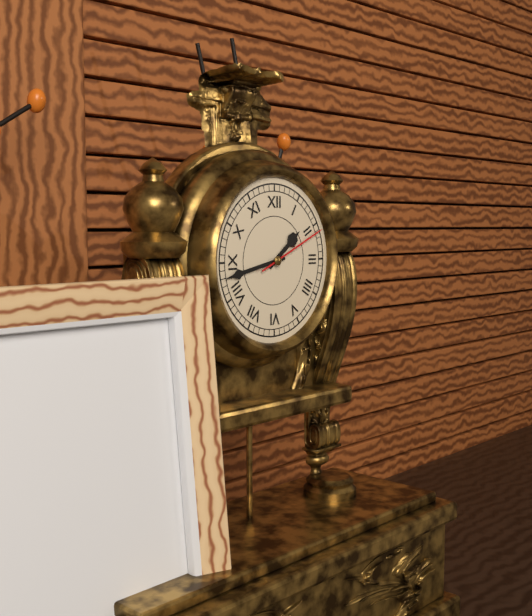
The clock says 1:43:11
